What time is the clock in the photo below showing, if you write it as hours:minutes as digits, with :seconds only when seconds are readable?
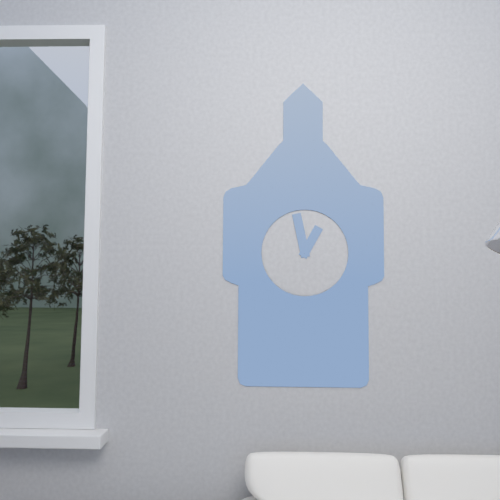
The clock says 12:58
